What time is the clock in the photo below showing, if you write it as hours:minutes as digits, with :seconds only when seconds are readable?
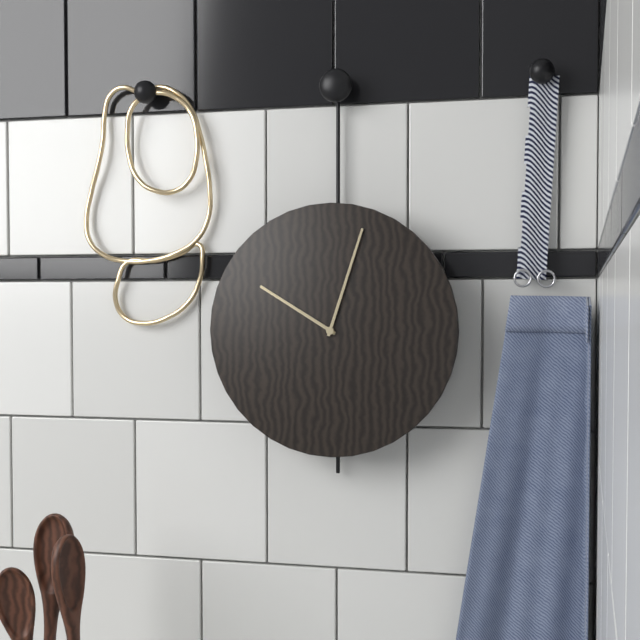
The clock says 10:03
